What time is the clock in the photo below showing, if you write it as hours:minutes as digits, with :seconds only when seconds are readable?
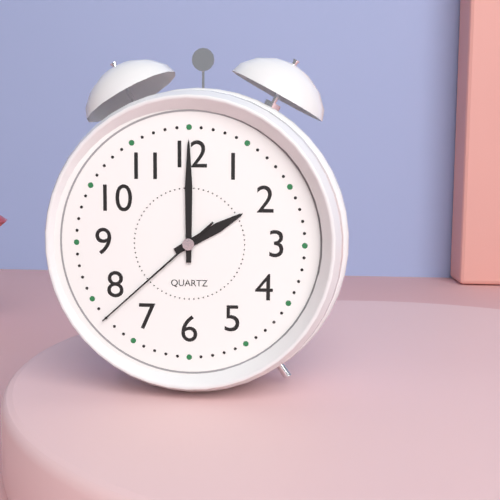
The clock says 2:00:38
